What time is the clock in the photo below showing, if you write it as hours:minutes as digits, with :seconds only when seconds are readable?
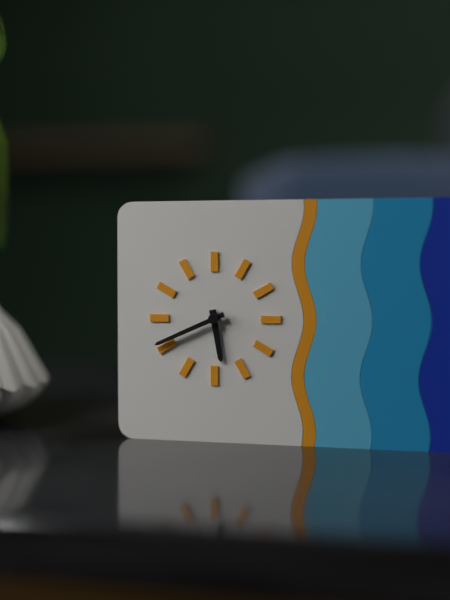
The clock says 5:41
